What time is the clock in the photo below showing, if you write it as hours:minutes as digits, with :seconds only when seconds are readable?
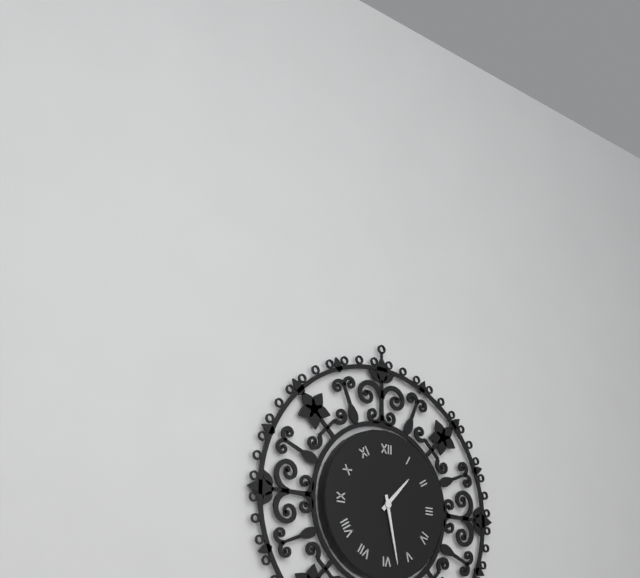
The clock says 1:28
